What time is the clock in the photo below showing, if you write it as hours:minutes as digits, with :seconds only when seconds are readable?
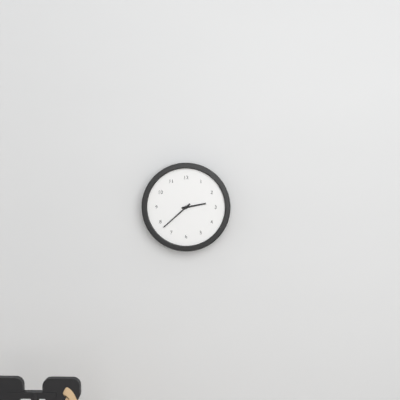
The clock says 2:38
